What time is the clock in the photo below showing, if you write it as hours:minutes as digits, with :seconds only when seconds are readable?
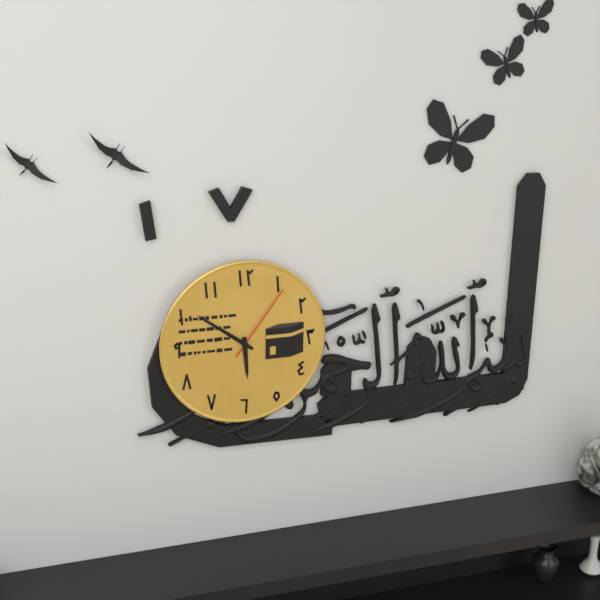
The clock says 5:51:06
